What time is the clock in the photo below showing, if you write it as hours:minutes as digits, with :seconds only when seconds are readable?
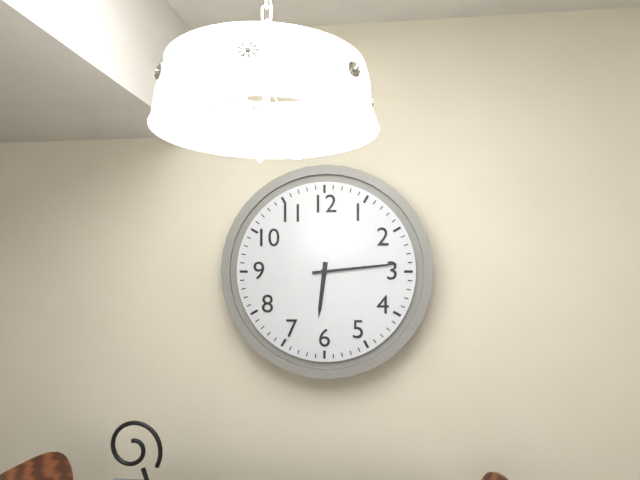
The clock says 6:14
